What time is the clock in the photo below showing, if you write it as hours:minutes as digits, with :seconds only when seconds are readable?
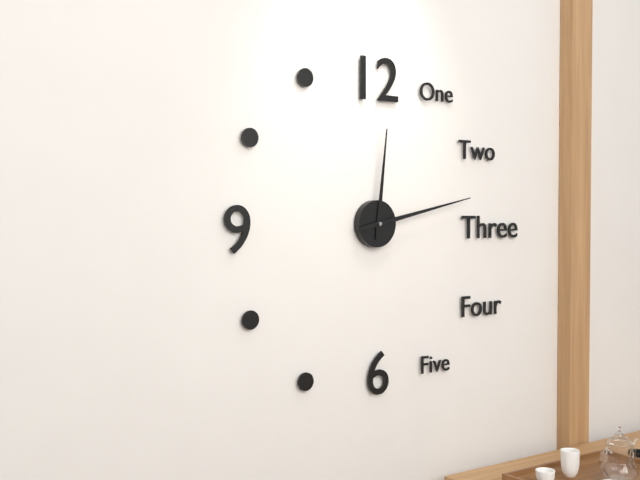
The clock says 12:13
